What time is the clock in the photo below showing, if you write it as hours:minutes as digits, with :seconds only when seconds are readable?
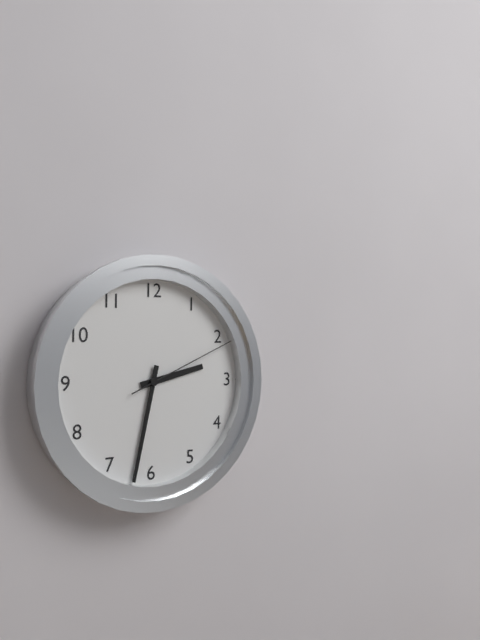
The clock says 2:32:11
